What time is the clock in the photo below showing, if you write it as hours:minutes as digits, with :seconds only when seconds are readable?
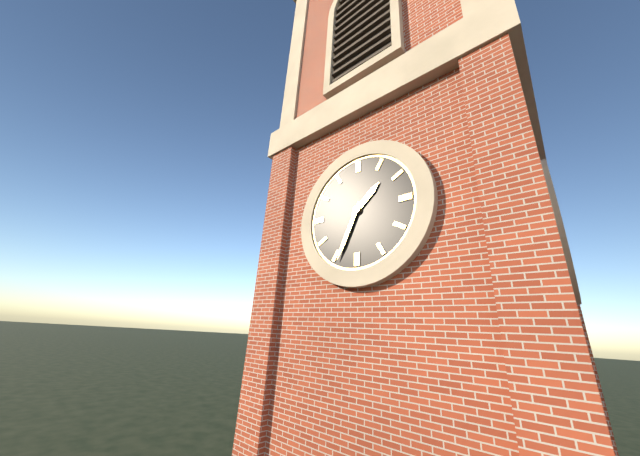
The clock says 1:34
